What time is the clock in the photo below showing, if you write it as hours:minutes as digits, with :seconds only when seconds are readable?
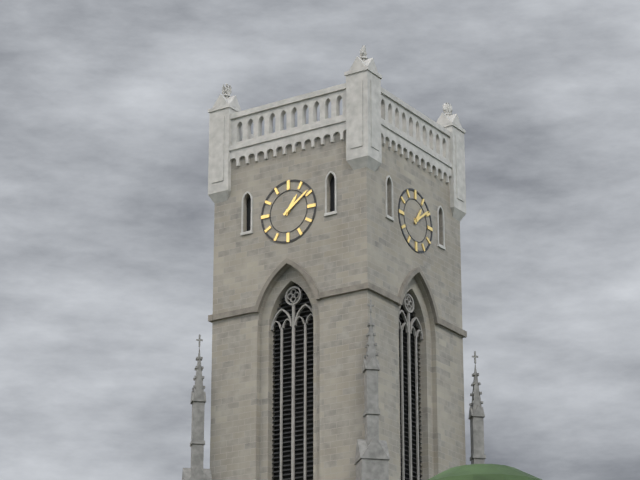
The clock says 1:09
